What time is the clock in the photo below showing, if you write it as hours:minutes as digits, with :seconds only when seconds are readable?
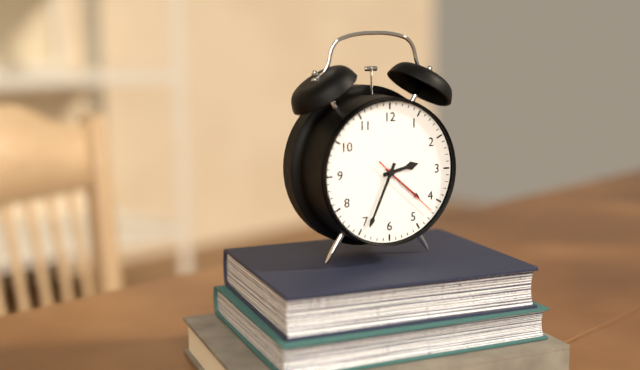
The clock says 2:34:22
